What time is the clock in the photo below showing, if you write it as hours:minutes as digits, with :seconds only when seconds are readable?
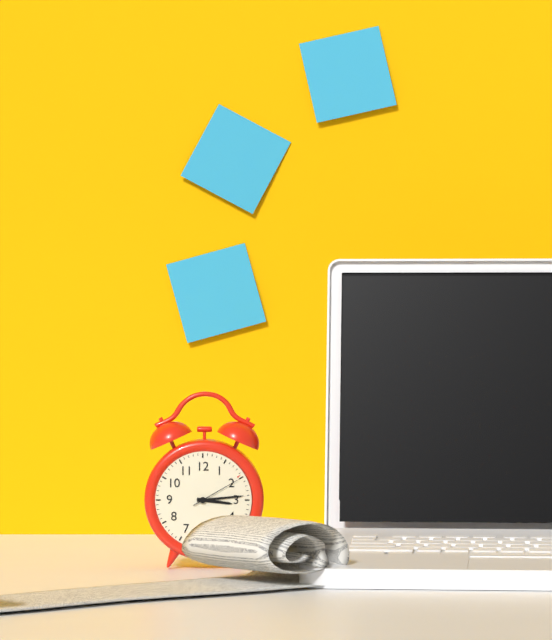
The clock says 3:14:10
